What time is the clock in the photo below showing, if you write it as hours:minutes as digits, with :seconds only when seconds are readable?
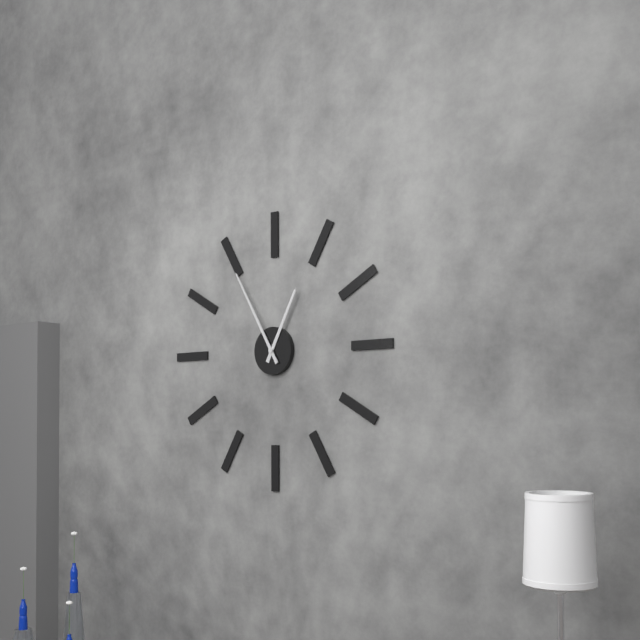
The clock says 12:55
